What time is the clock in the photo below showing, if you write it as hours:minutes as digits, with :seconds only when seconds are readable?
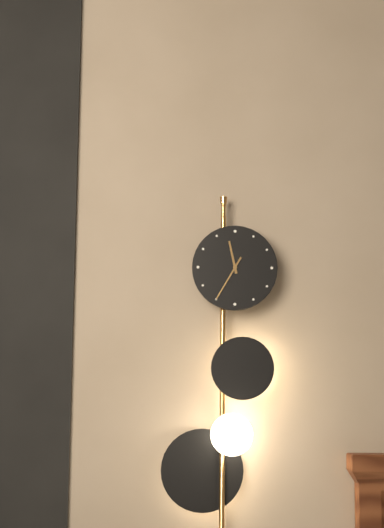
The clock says 11:35
